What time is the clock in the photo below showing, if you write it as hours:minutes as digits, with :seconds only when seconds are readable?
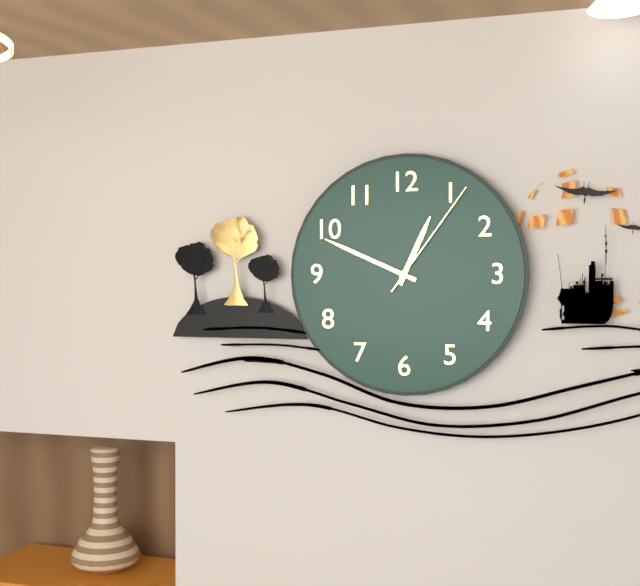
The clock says 12:49:06
